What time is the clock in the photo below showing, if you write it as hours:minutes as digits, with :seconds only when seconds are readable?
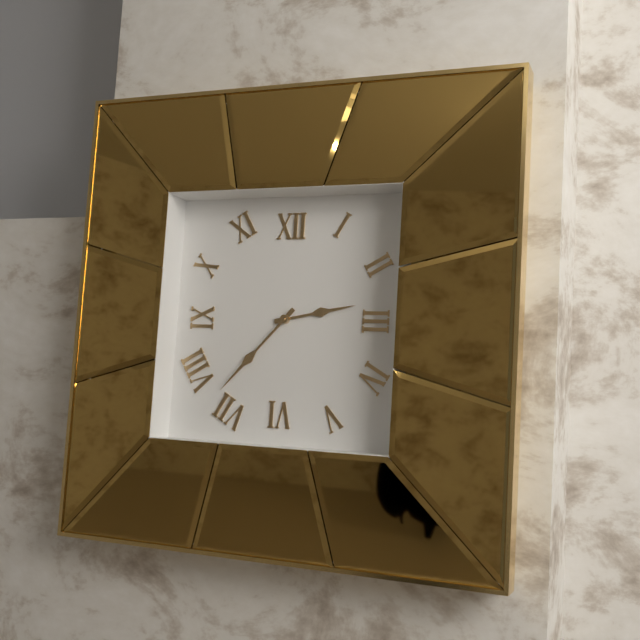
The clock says 2:37
